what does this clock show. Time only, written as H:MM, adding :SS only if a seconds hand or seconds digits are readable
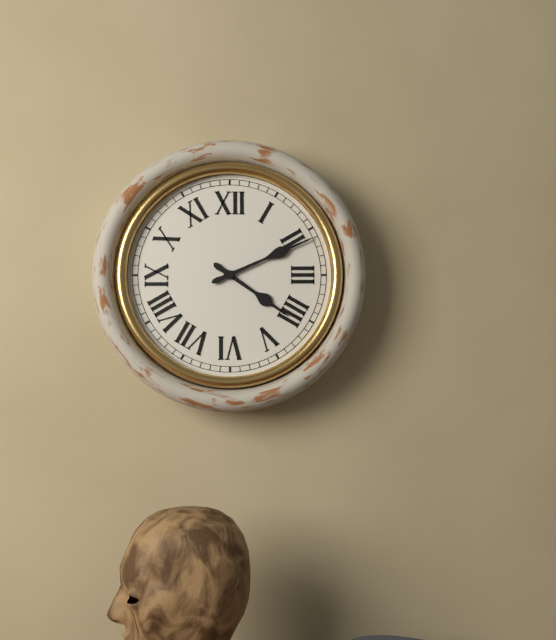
4:11
